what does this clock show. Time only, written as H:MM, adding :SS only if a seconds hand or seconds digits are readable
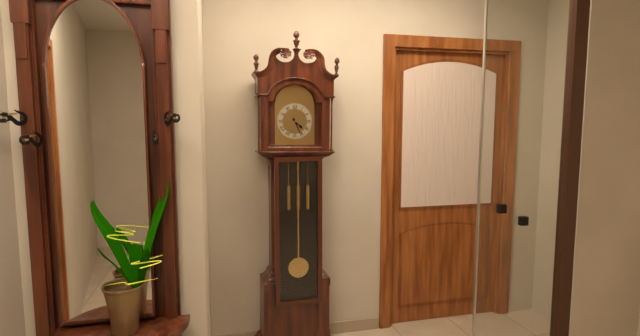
4:26
